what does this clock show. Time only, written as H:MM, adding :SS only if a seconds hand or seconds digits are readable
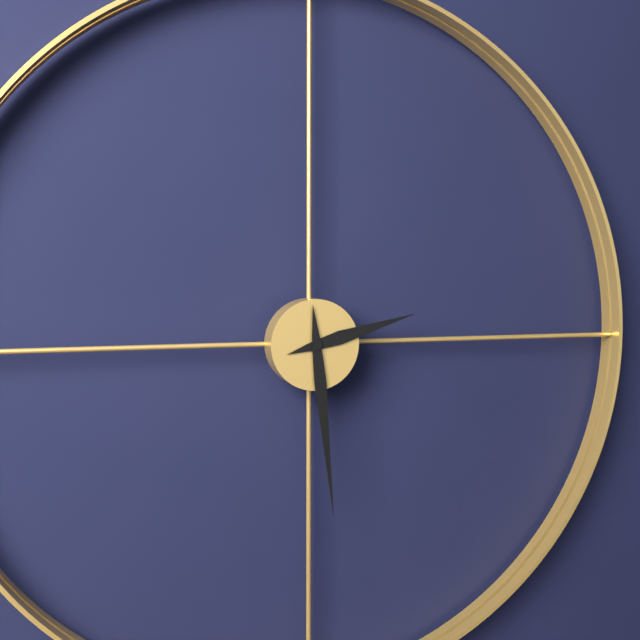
2:29
